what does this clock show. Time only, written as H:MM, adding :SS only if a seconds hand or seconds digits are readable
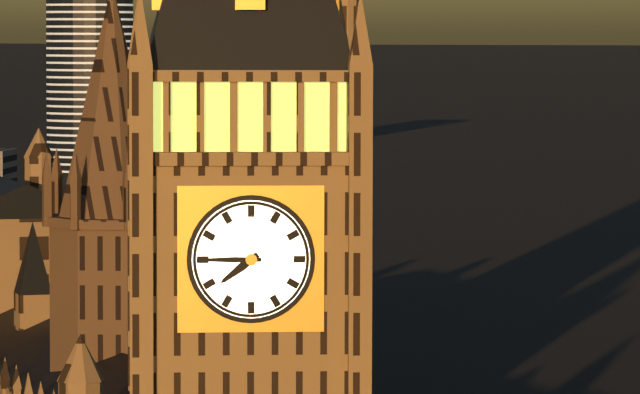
7:45
